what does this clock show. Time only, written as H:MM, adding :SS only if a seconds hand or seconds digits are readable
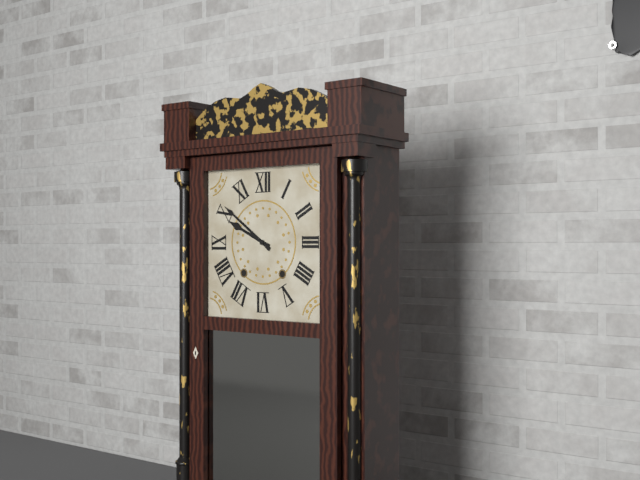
9:51
